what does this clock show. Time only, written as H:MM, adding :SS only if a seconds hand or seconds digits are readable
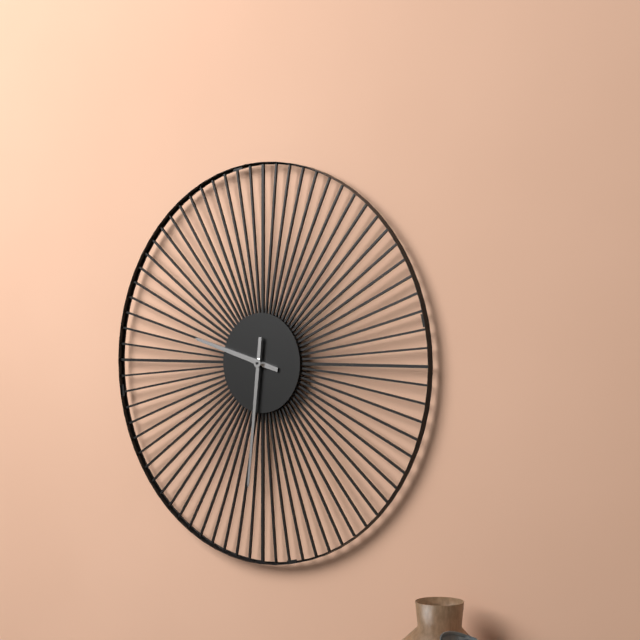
9:31
